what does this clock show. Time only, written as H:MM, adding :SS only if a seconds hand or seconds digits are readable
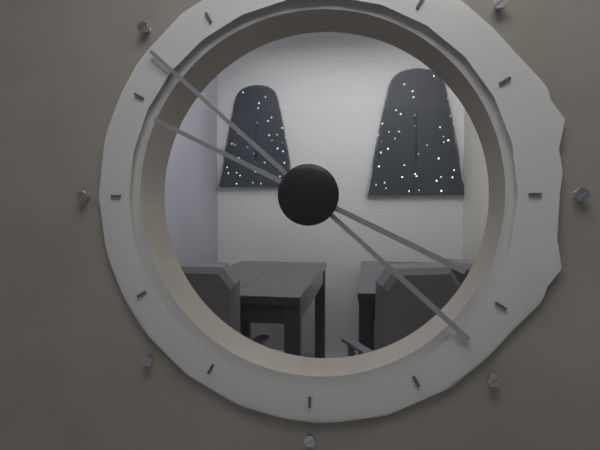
9:52
